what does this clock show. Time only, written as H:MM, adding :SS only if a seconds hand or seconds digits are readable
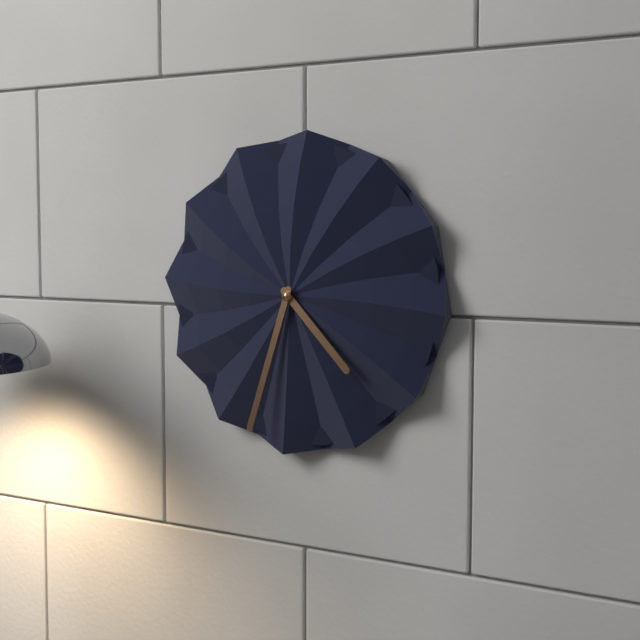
4:33
